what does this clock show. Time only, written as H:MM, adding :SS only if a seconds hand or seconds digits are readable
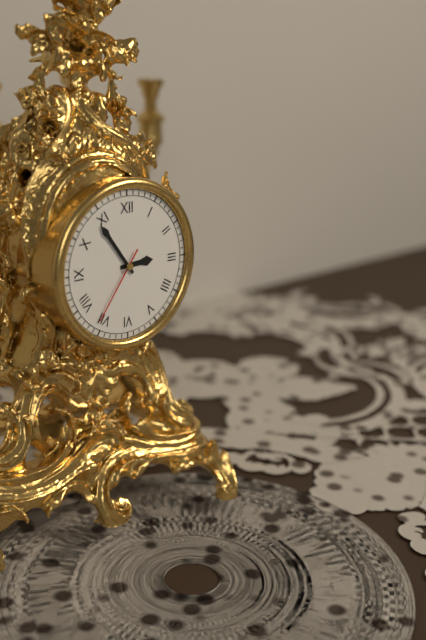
2:54:36
